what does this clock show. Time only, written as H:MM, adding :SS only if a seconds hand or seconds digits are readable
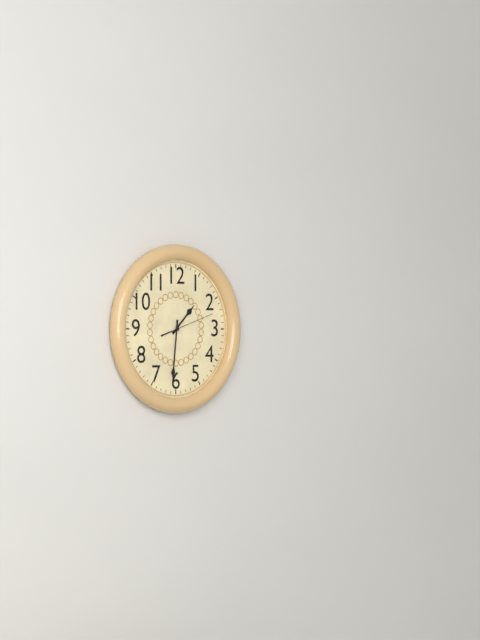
1:31:12
